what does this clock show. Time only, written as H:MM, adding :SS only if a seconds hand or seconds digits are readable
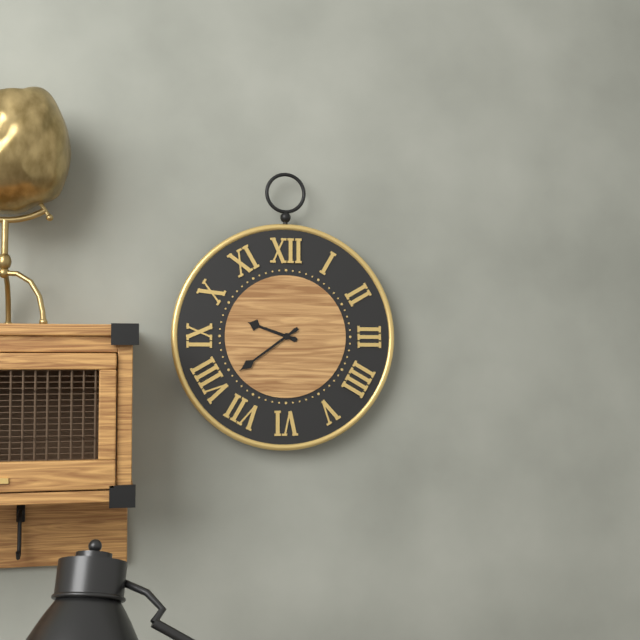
9:39
